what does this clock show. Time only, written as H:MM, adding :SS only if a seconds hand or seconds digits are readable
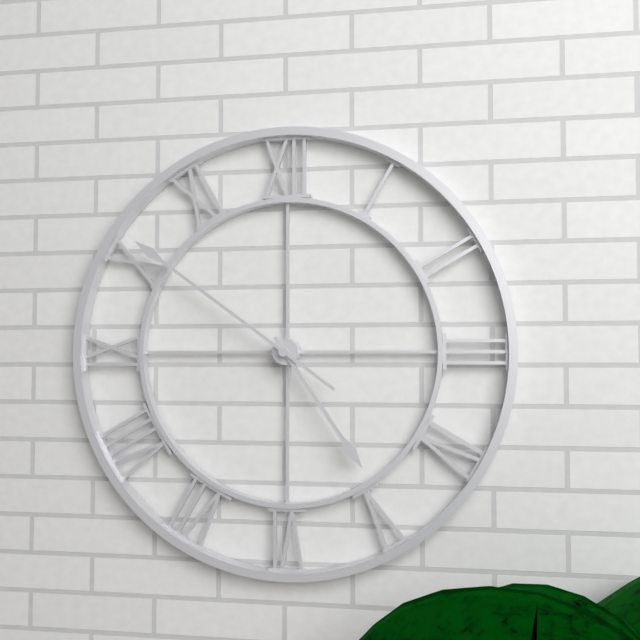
4:51
